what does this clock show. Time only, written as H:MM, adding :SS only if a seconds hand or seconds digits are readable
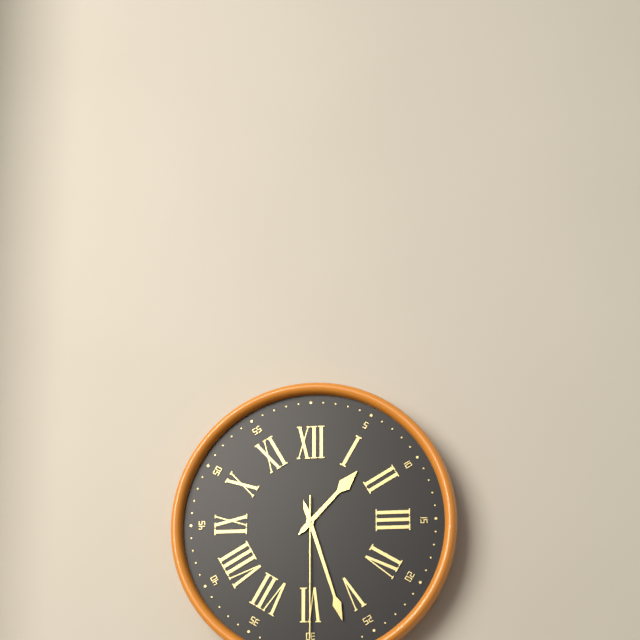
1:27:30
